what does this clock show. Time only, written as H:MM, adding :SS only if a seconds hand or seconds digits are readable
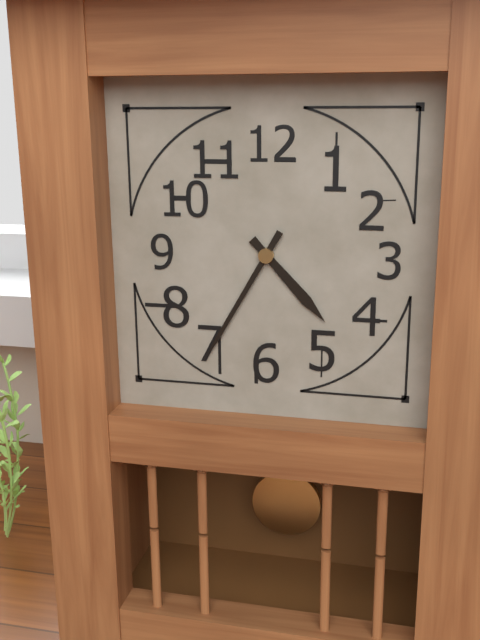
4:35
